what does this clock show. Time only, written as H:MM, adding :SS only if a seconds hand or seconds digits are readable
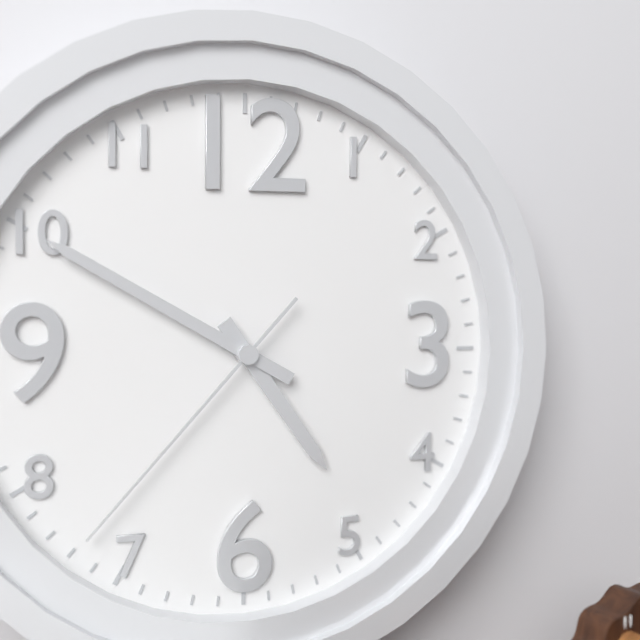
4:50:37
